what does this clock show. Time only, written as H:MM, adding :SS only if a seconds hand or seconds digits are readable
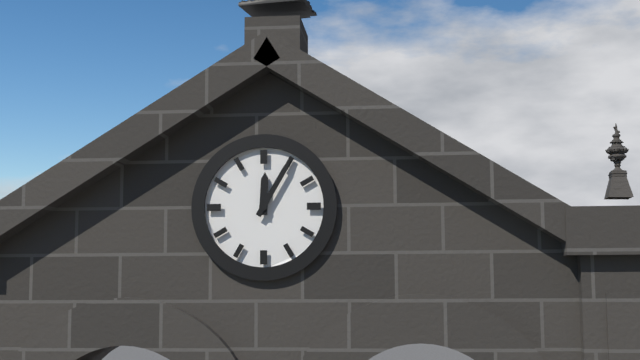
12:05
